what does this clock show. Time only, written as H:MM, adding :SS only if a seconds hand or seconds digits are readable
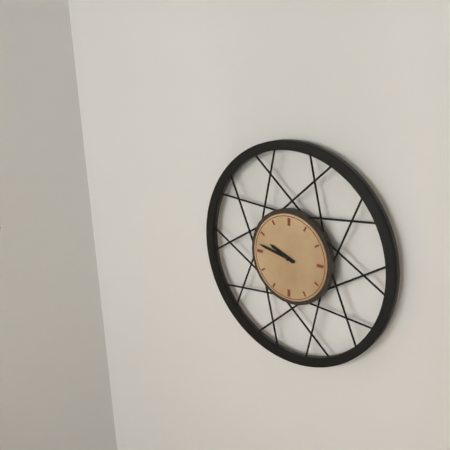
9:47
